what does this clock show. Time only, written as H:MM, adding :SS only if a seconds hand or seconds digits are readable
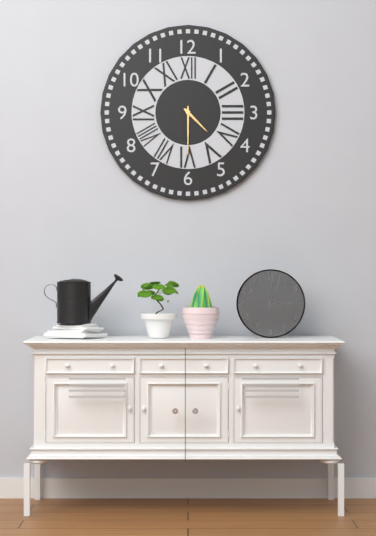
4:30
